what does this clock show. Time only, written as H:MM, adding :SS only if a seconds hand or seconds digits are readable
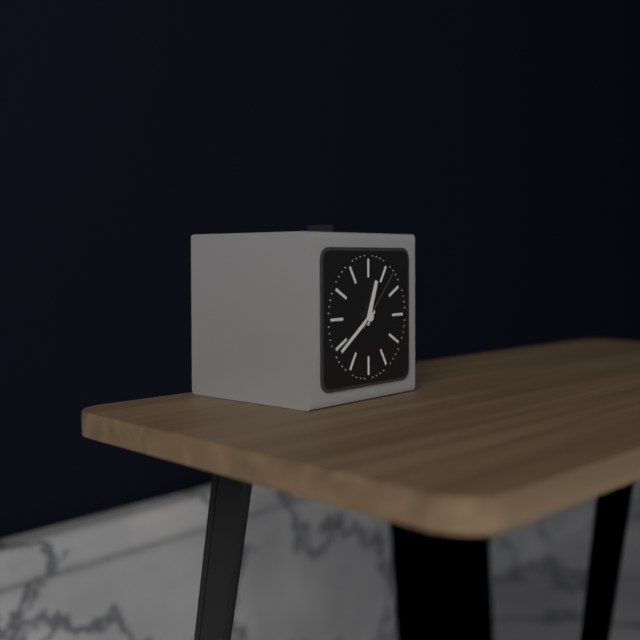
12:39:07
